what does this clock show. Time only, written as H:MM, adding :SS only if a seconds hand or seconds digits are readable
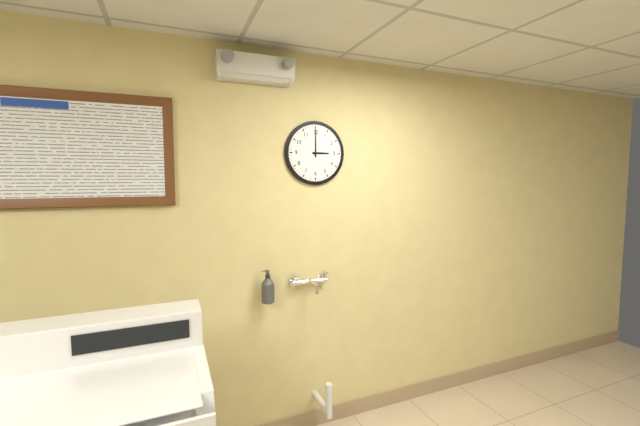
3:00
